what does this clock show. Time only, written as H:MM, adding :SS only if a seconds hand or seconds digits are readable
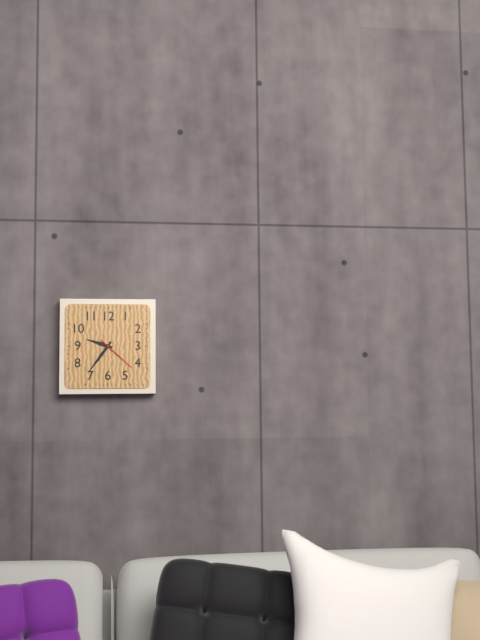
9:36
